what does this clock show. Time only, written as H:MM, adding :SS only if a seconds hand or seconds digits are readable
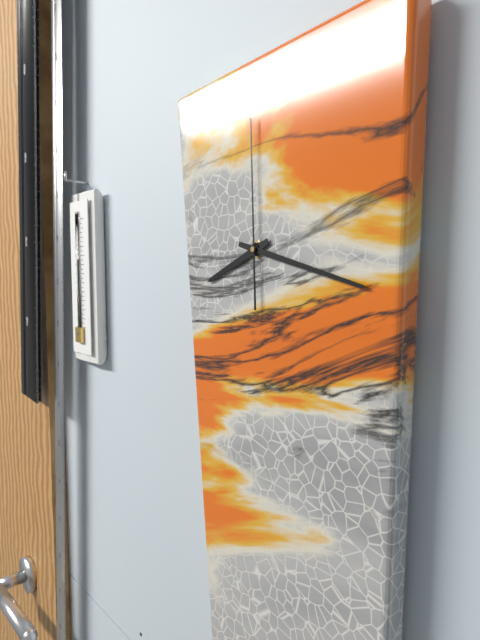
8:18:00
